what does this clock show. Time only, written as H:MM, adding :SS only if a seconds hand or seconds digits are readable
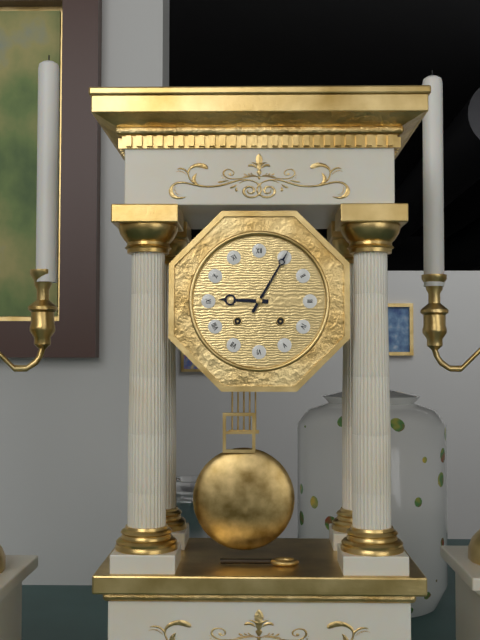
9:05
